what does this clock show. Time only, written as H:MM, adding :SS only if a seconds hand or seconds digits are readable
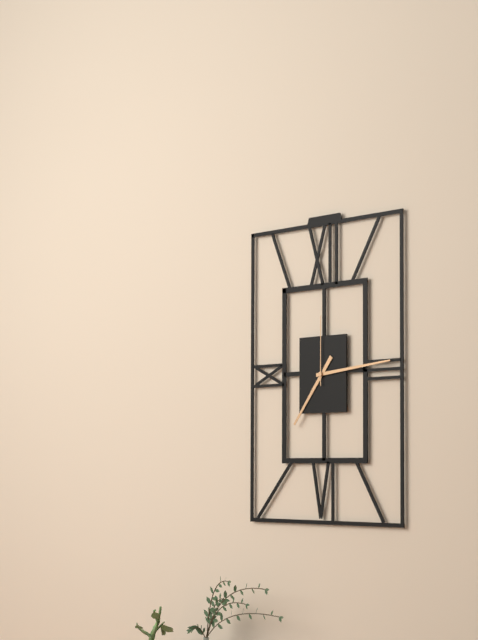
7:14:00
